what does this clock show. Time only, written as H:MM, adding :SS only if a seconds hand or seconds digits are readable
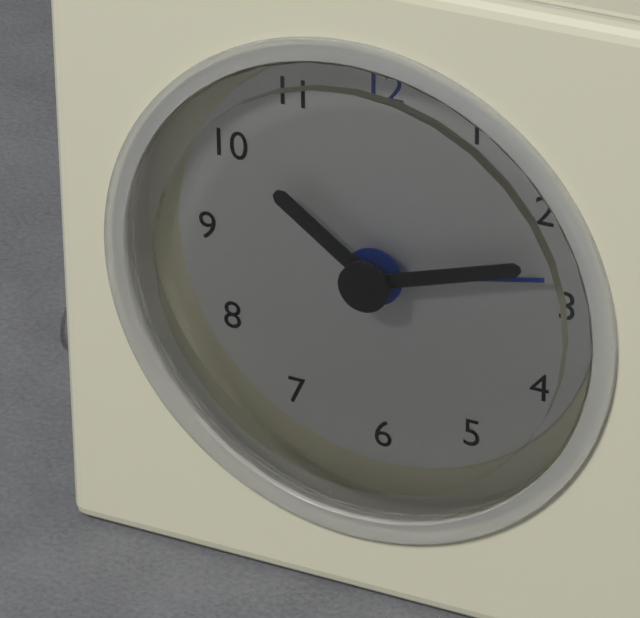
10:12:13
